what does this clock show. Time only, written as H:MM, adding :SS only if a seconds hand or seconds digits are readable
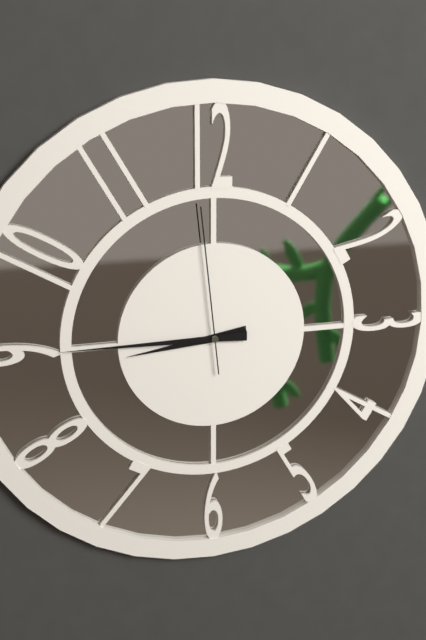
8:45:59
